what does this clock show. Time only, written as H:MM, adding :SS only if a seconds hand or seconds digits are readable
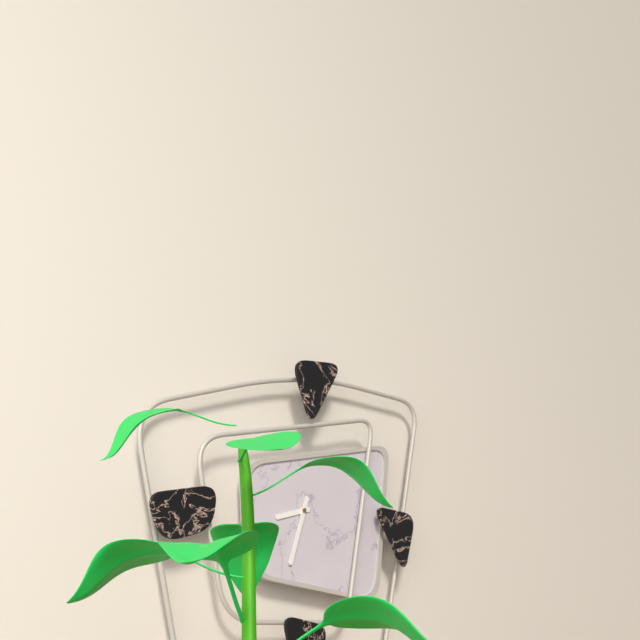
8:33
